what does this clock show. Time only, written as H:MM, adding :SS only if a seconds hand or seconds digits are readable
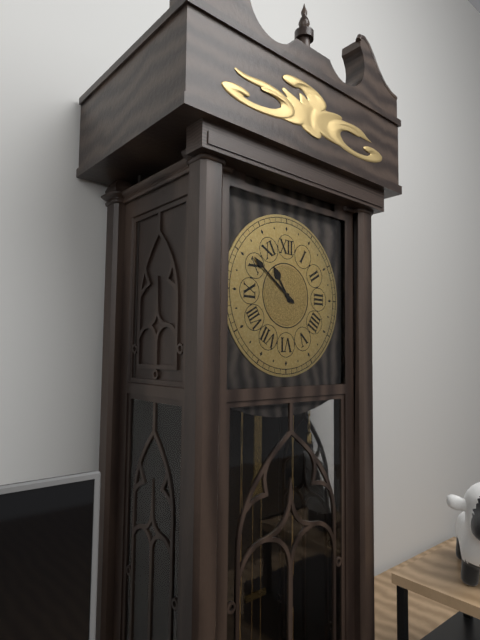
10:51
